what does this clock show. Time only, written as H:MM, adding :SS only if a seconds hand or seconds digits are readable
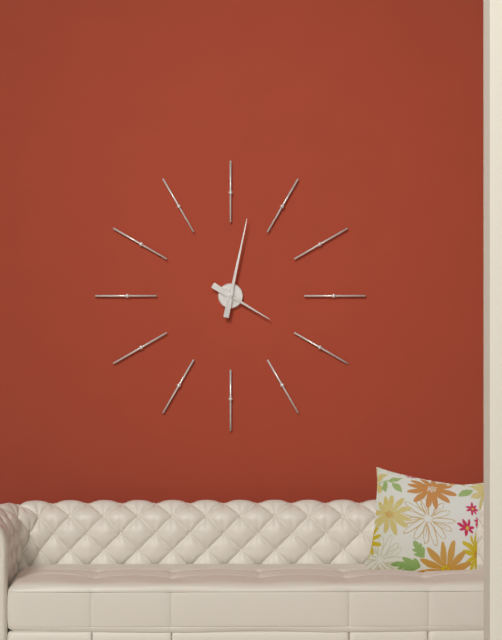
4:02
